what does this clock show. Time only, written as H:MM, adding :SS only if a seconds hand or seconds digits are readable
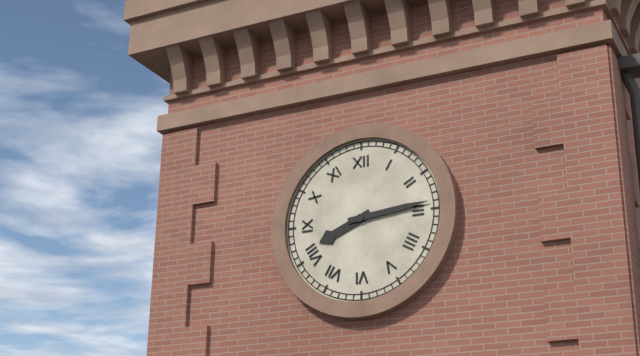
8:14
